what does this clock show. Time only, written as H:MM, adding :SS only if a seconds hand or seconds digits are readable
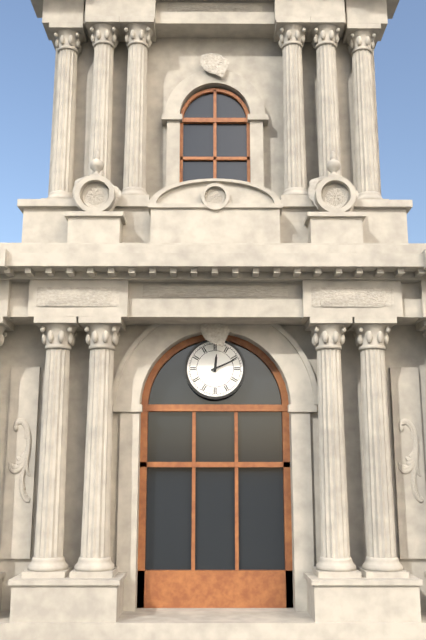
12:11
